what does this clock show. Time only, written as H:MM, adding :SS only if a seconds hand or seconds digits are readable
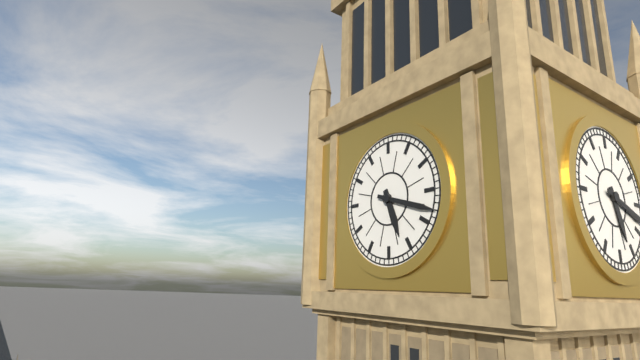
5:18
